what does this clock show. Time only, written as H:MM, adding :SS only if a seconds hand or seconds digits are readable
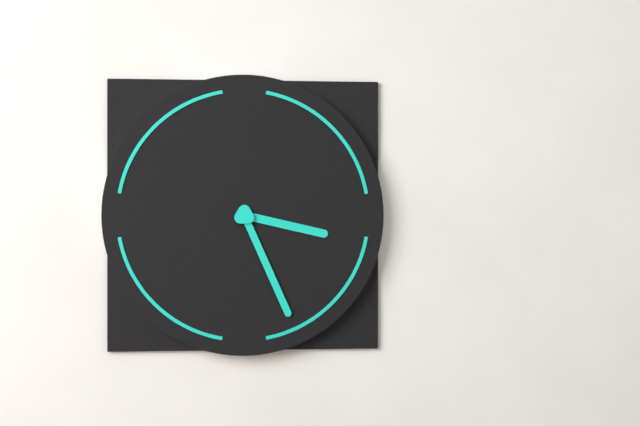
3:26
